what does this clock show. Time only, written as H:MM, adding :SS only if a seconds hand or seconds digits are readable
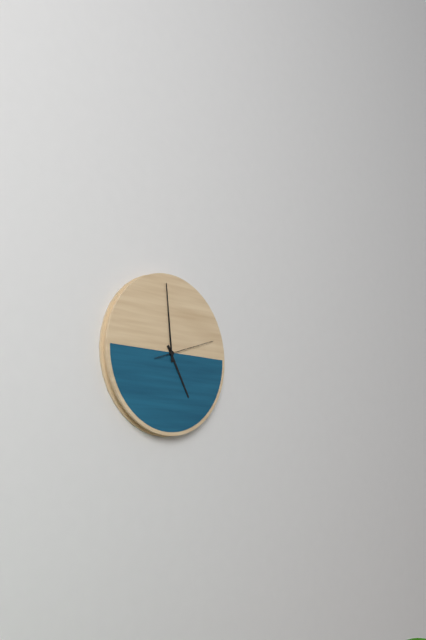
4:59:12
